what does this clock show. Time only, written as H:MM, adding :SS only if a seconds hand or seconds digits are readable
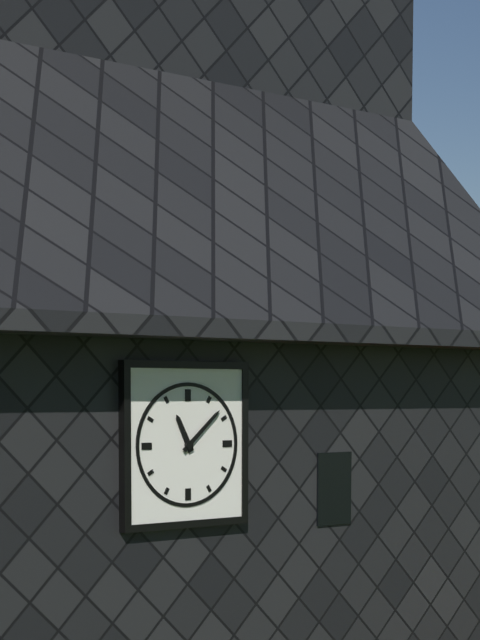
11:08
